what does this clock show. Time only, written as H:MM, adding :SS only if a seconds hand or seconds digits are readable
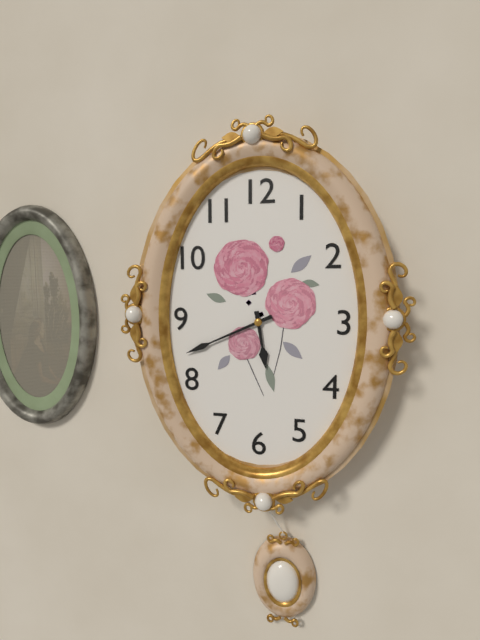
5:41
